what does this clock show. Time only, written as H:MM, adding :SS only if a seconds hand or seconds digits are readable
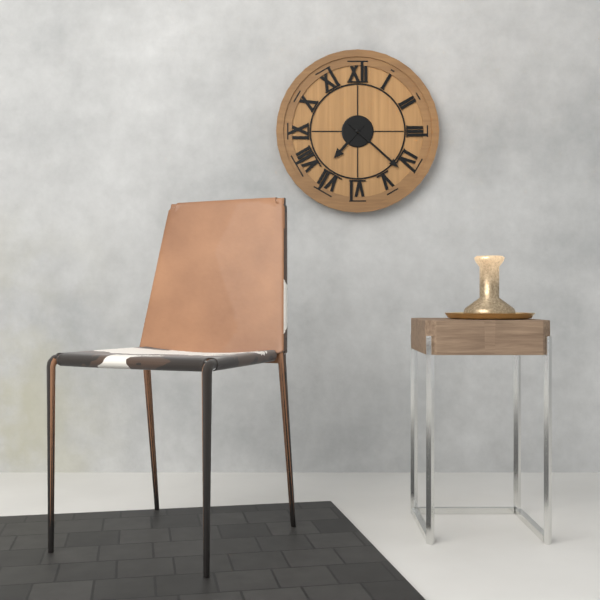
7:22
